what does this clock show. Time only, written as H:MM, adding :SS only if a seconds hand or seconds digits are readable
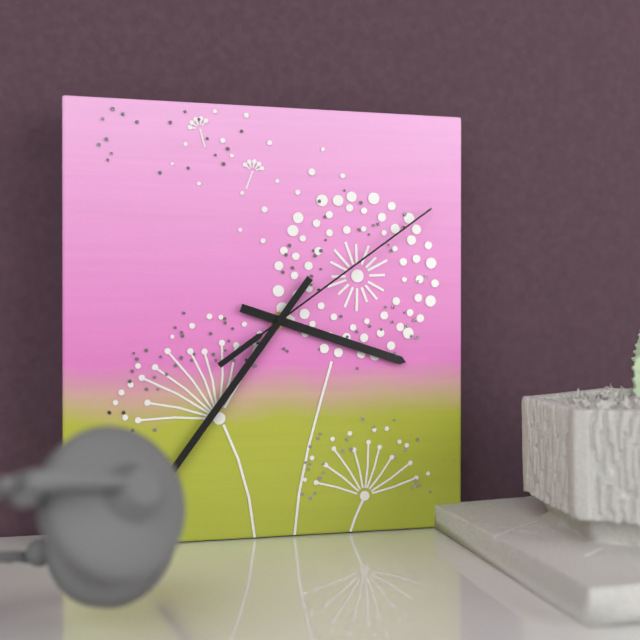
3:36:09
